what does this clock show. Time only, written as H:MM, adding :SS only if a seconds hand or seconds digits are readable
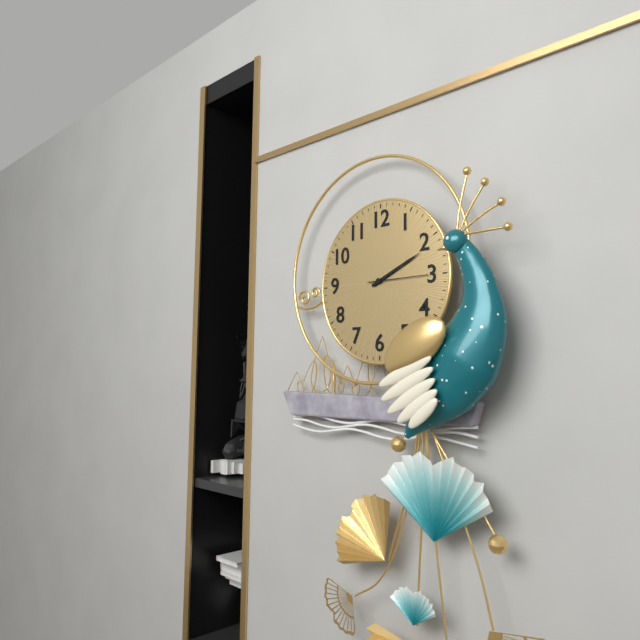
2:11:15
